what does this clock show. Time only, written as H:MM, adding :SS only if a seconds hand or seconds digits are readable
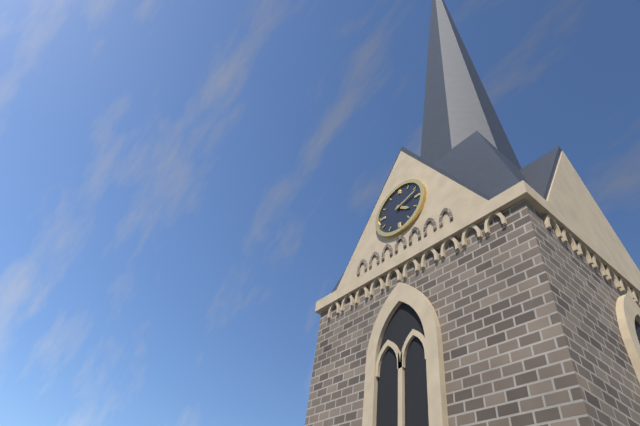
4:12
